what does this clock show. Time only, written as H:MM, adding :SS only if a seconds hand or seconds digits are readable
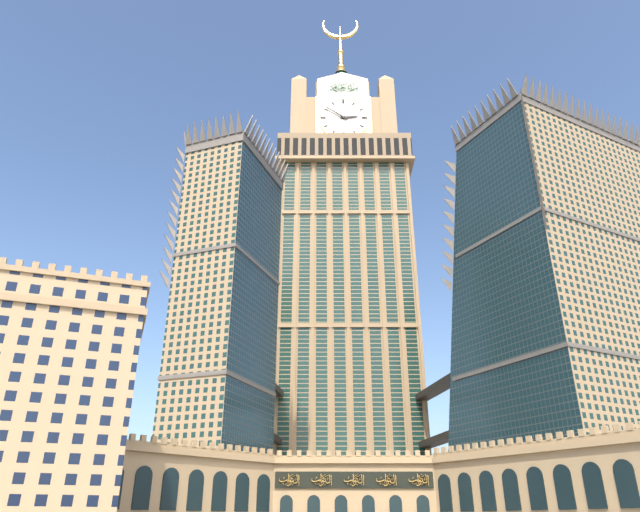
2:51
